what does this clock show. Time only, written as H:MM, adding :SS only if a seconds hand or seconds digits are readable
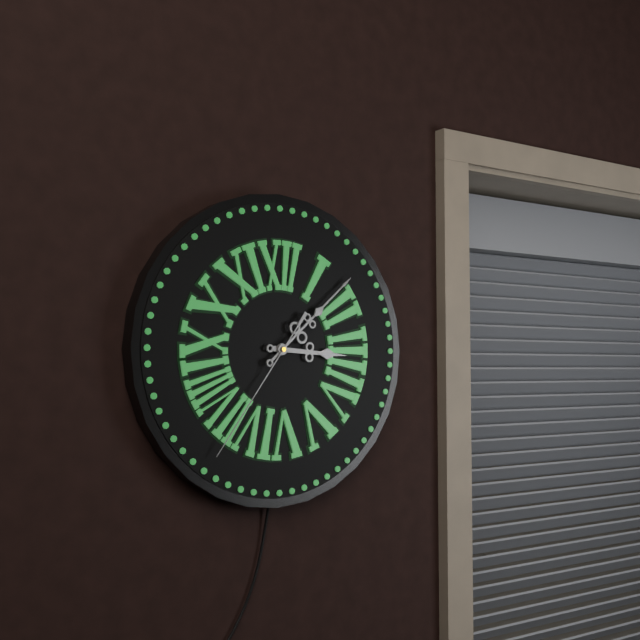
3:08:36
